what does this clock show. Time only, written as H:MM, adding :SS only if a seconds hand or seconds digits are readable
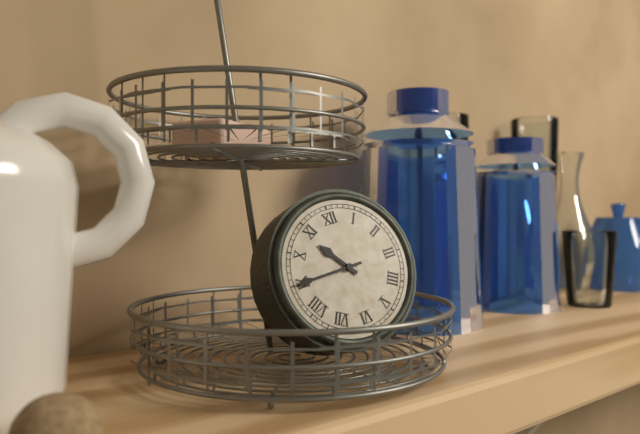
10:45
